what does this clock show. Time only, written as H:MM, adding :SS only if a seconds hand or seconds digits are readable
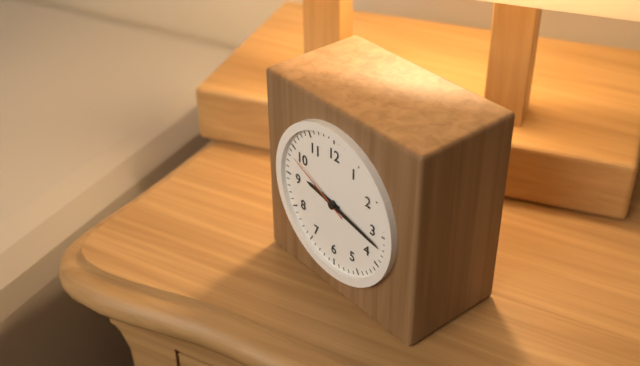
9:17:49
